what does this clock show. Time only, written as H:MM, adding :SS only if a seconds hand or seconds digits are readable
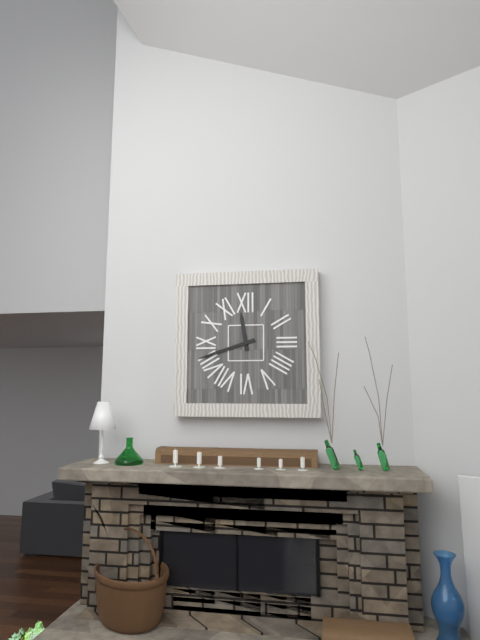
11:42
